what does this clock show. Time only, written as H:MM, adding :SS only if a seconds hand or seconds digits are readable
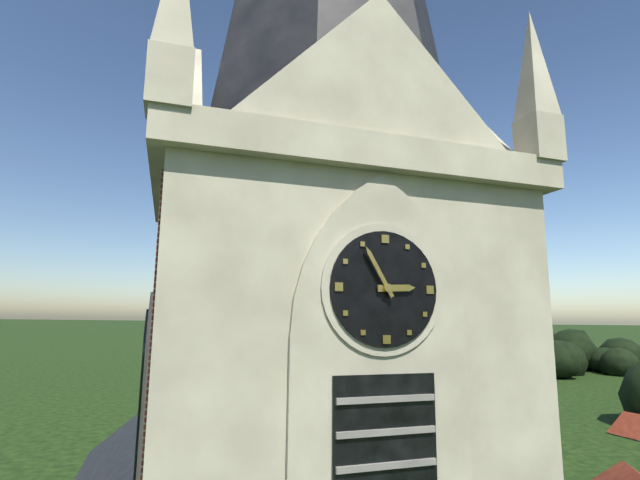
2:55
